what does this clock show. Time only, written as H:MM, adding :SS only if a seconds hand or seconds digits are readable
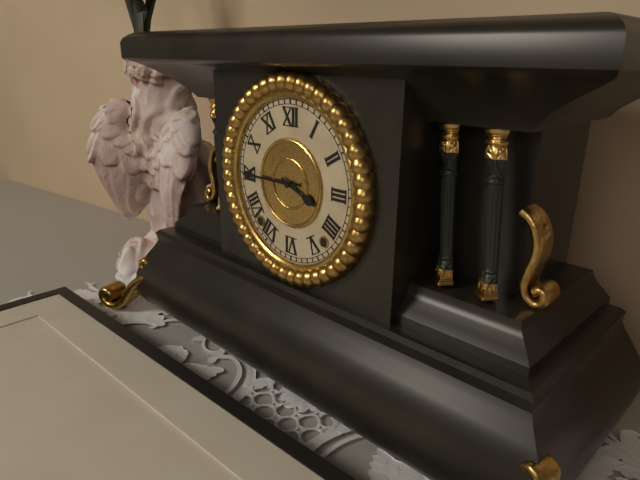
3:45
